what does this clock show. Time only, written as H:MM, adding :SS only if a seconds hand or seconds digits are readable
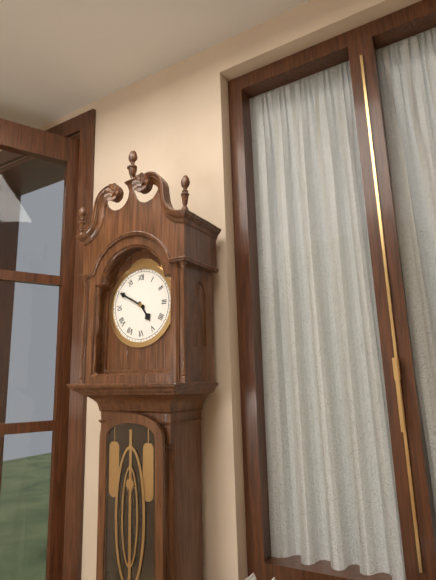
4:50
